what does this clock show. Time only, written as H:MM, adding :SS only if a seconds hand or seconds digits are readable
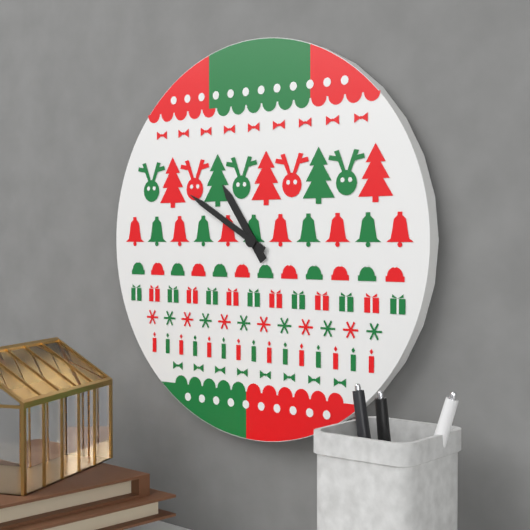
10:50
